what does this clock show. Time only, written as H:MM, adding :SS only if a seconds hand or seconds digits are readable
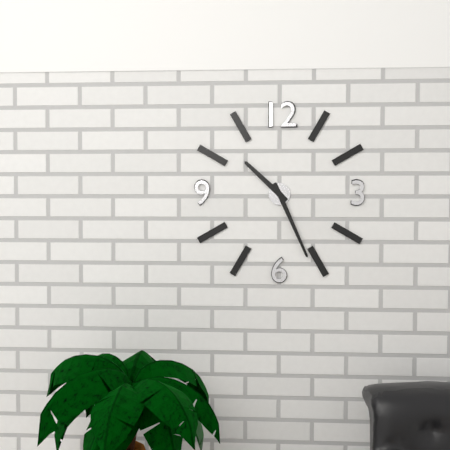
10:26
